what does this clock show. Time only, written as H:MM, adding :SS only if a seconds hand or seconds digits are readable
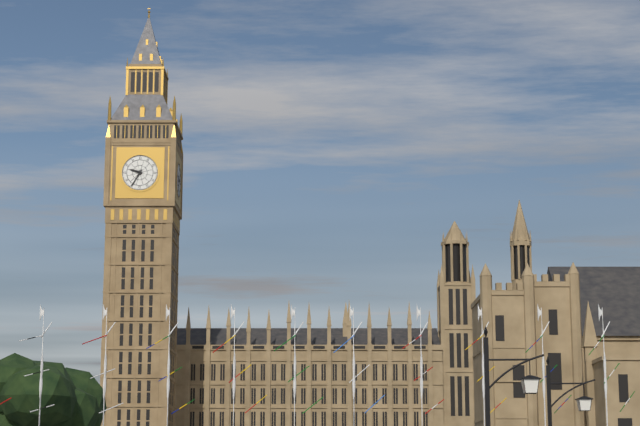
9:35
